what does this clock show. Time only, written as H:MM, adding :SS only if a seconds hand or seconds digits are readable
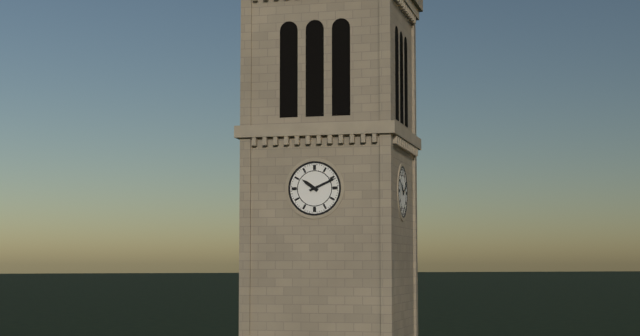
10:11
